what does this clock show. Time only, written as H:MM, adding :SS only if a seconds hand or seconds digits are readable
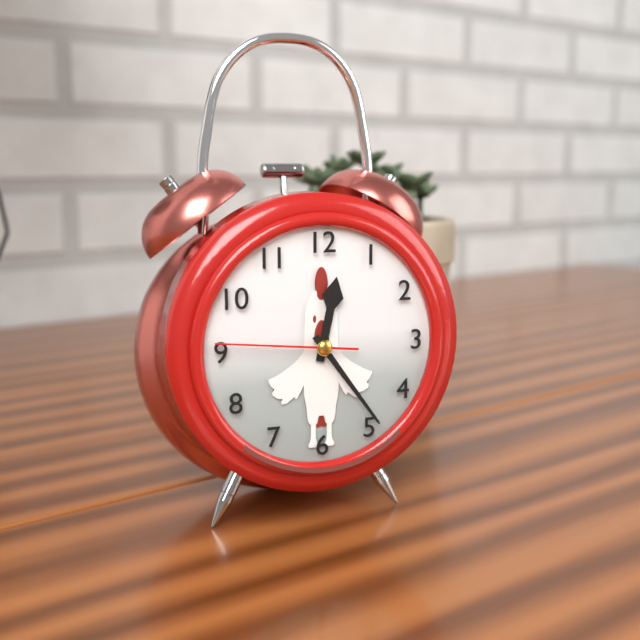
12:24:46
